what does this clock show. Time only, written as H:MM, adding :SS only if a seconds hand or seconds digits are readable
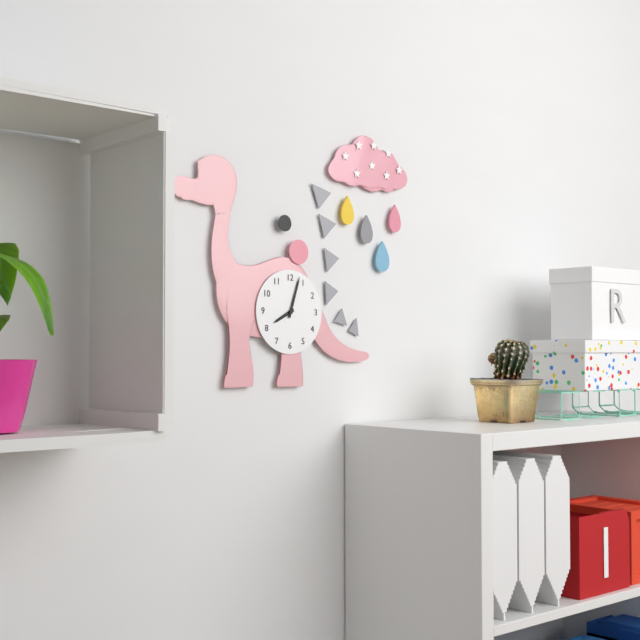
8:03
